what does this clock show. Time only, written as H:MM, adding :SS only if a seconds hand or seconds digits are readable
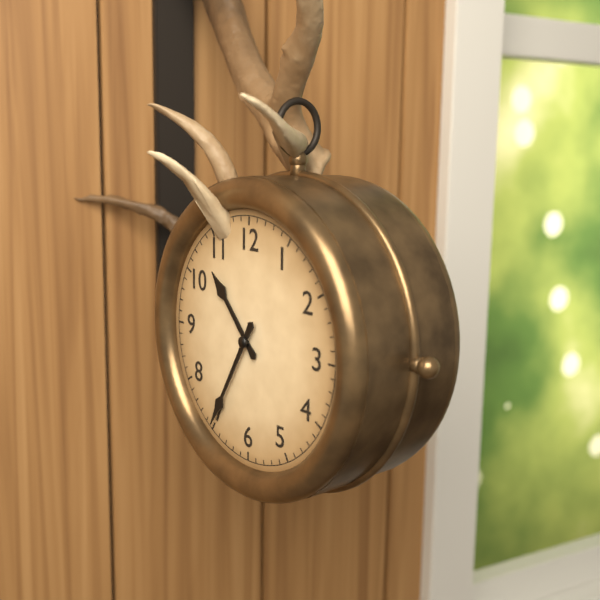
10:35
